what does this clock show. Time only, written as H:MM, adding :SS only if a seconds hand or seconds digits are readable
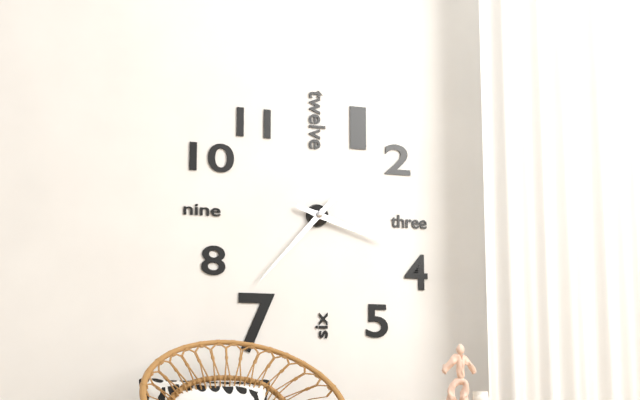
3:37
